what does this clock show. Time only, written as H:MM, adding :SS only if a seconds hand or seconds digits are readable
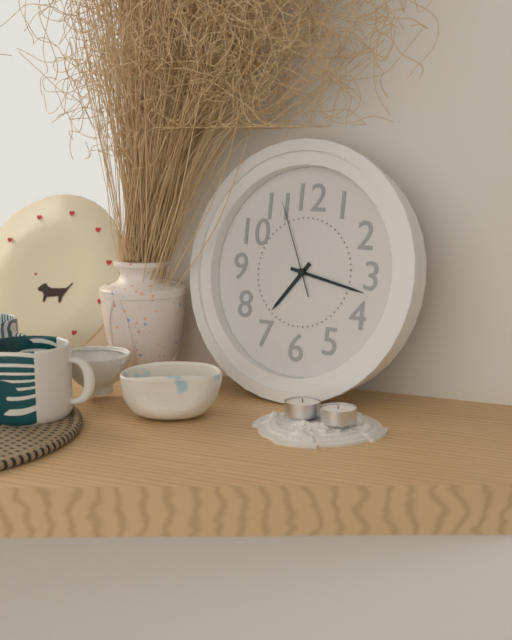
7:17:56
